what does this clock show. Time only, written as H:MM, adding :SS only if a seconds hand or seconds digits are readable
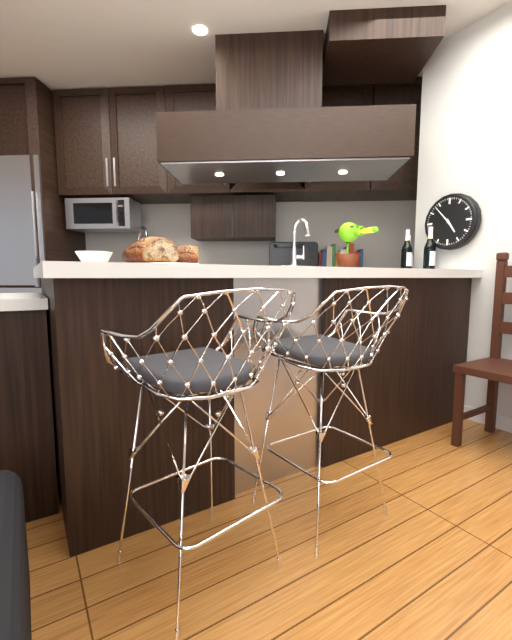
4:53
